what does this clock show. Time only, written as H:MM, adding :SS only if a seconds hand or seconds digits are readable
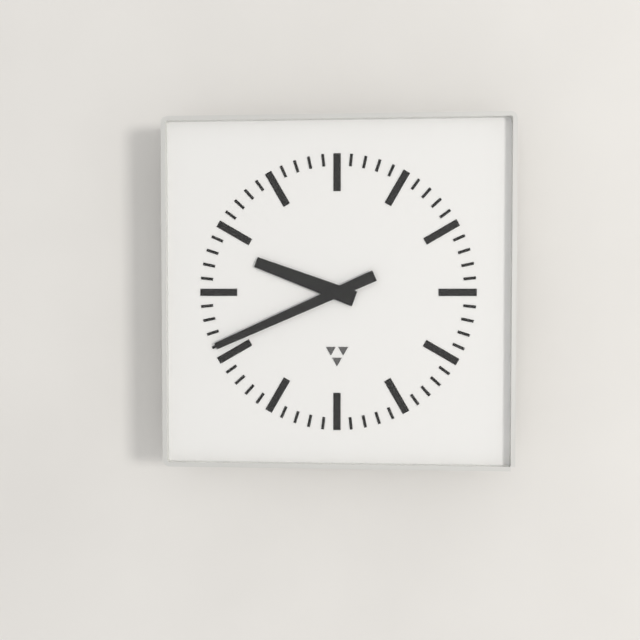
9:41
